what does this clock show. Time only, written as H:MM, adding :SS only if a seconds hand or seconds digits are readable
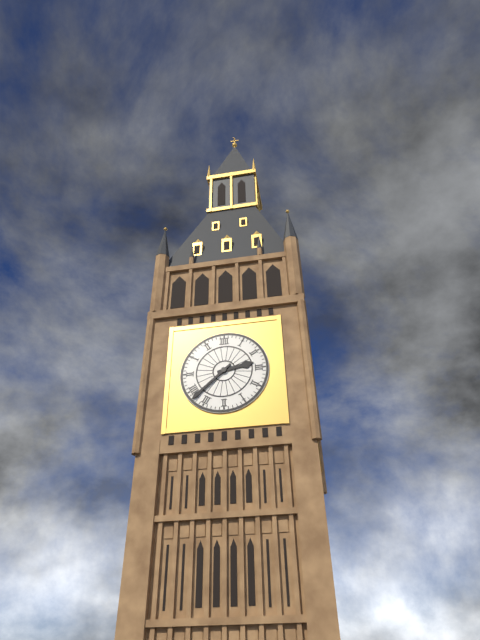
2:38
